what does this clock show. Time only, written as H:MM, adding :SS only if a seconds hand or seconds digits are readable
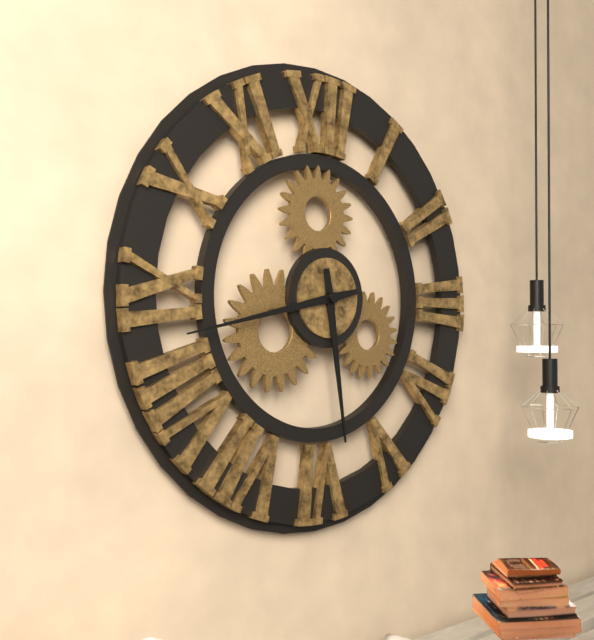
5:43
